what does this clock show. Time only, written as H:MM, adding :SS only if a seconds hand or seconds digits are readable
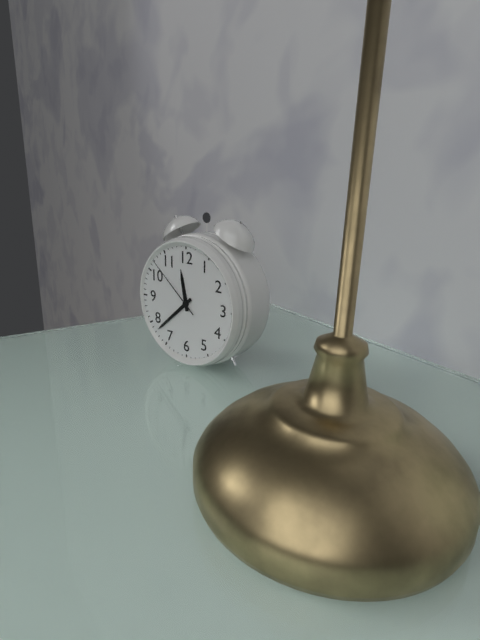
11:38:52
